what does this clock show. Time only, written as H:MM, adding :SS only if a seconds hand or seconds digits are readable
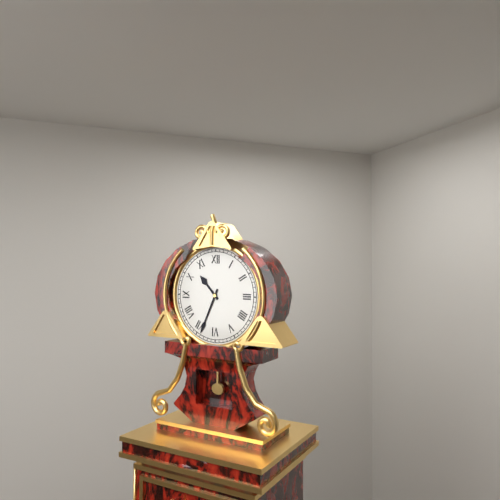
10:34
